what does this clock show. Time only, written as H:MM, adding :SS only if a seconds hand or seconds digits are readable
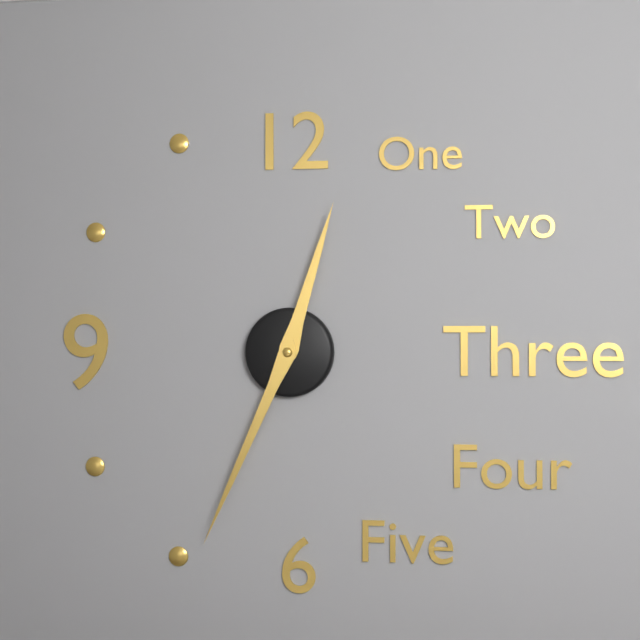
12:34
